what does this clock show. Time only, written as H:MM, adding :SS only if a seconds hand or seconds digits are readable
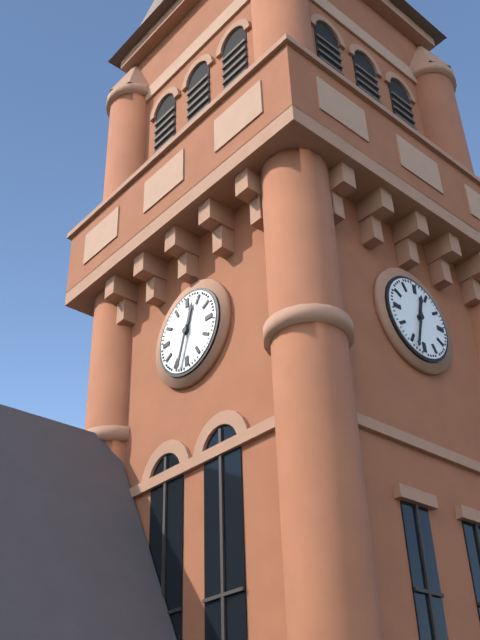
12:33
